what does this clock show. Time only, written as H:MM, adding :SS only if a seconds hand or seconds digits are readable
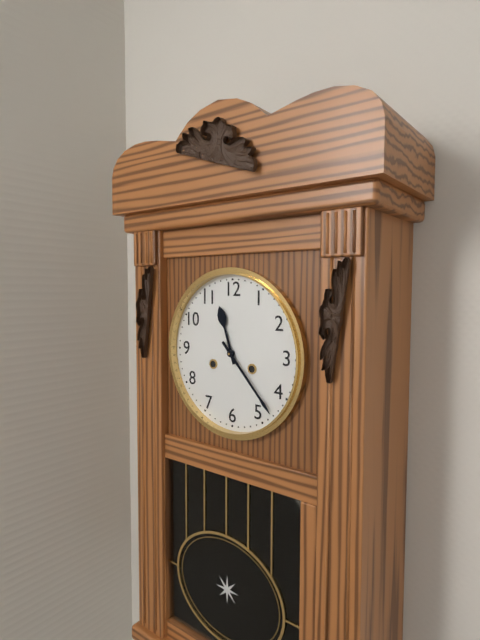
11:23
